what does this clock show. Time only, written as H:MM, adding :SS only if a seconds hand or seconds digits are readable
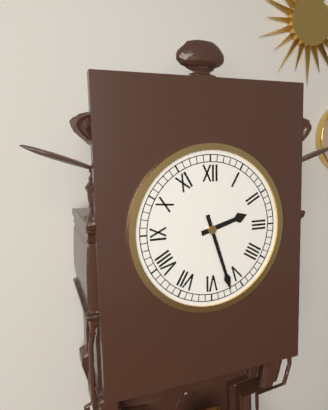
2:27
